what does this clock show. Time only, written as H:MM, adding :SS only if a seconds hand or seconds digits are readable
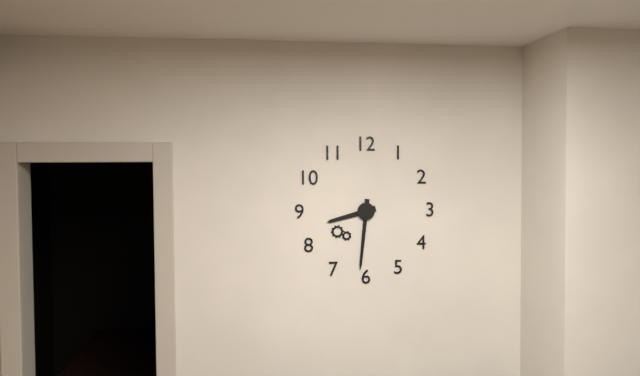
8:31
